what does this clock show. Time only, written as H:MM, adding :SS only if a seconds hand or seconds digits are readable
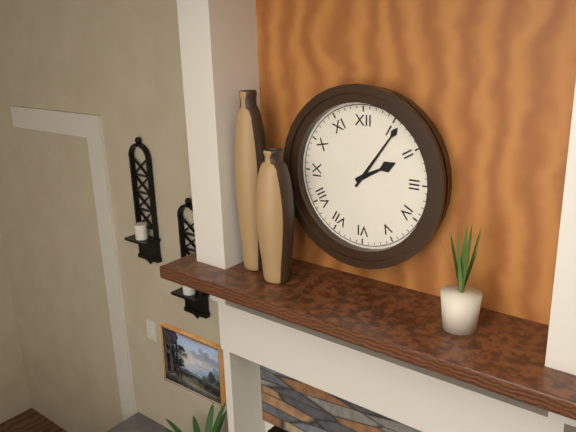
2:06
